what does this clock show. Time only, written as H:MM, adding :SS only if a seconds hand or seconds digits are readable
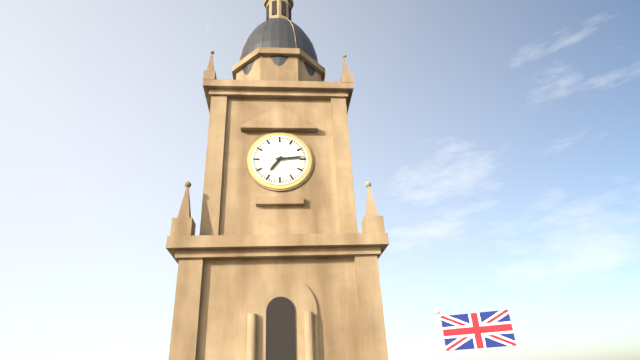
7:14
